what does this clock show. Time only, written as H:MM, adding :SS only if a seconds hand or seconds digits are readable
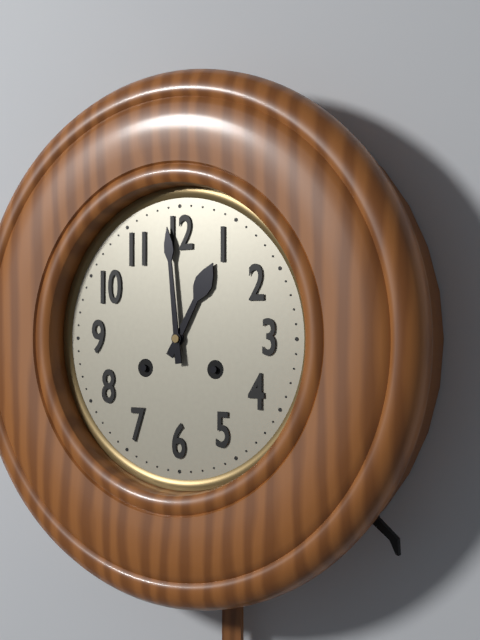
12:59
